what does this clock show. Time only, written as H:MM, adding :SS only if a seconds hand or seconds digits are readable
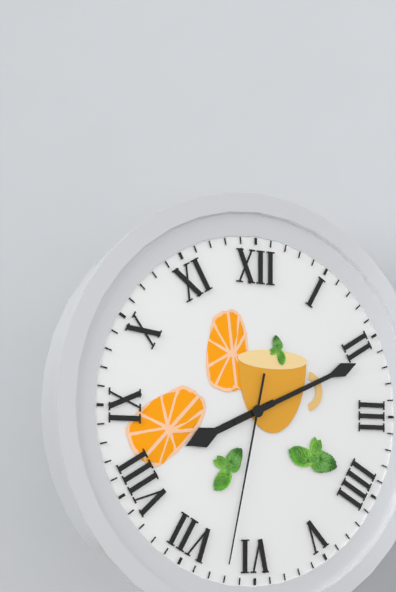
8:11:32
